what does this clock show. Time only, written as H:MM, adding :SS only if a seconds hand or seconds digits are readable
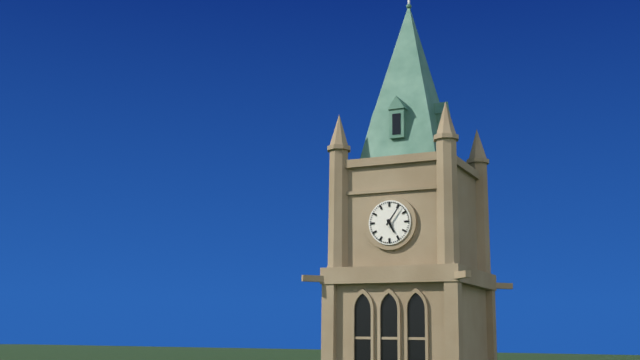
5:06
